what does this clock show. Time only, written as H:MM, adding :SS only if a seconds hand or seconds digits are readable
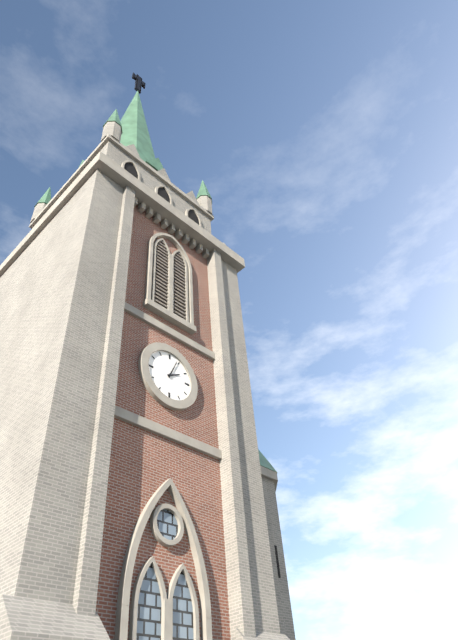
2:04
